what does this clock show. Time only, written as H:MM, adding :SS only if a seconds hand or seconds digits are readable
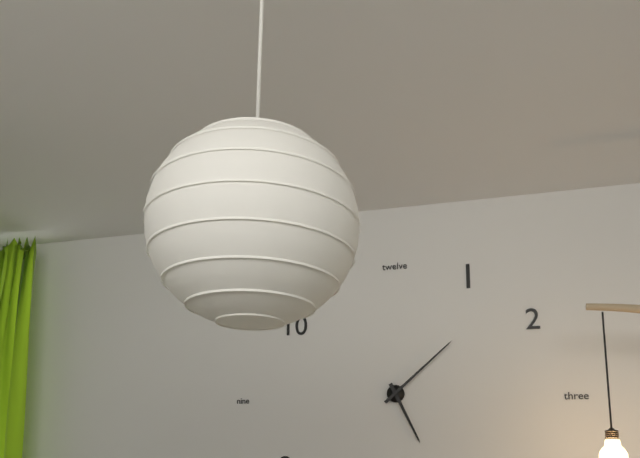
5:08
